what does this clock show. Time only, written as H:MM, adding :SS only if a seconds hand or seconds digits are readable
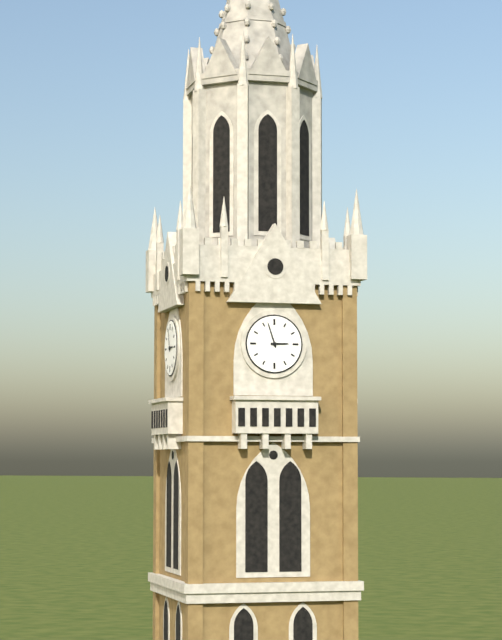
2:57
